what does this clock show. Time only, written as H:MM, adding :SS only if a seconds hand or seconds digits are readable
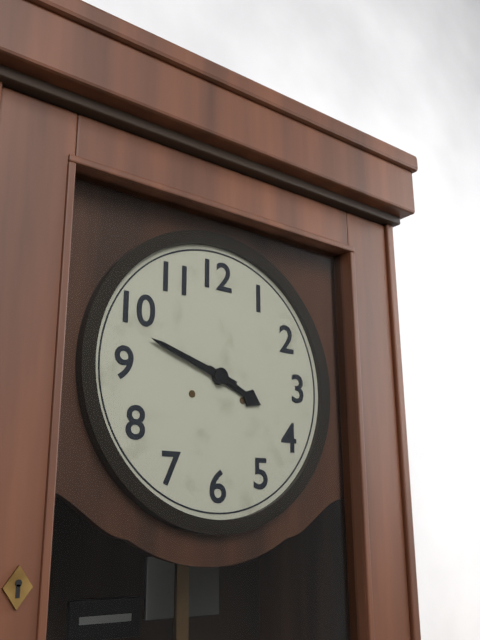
3:48
